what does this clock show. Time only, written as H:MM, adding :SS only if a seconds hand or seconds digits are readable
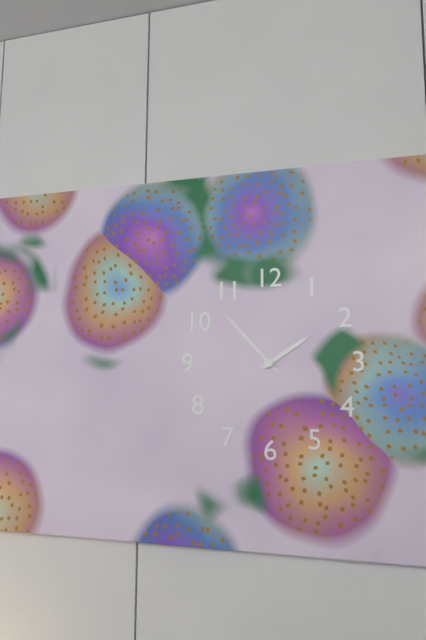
1:53
